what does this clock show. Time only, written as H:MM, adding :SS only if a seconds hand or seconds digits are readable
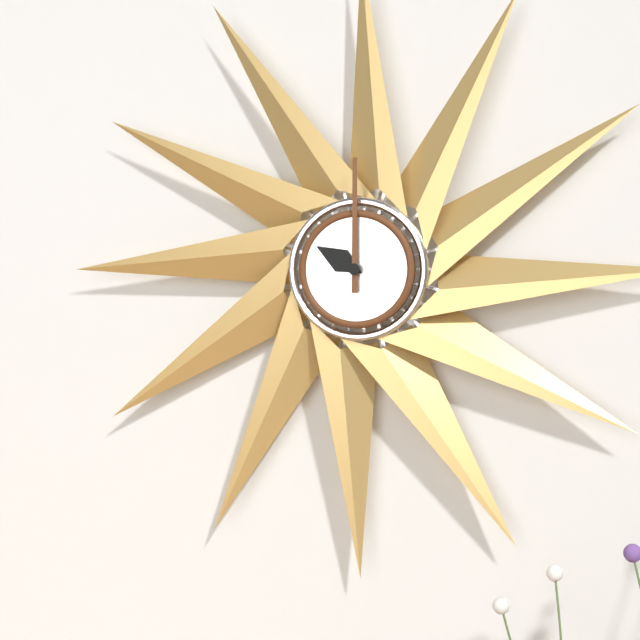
10:00
